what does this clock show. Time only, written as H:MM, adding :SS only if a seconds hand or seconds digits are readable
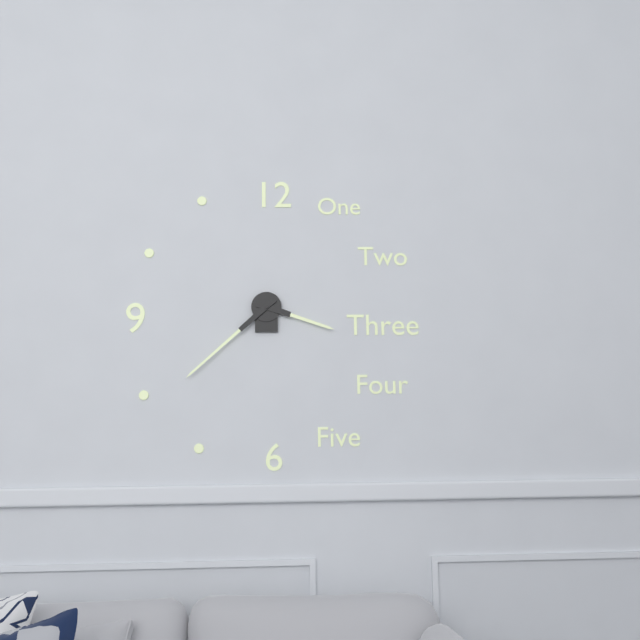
3:38
